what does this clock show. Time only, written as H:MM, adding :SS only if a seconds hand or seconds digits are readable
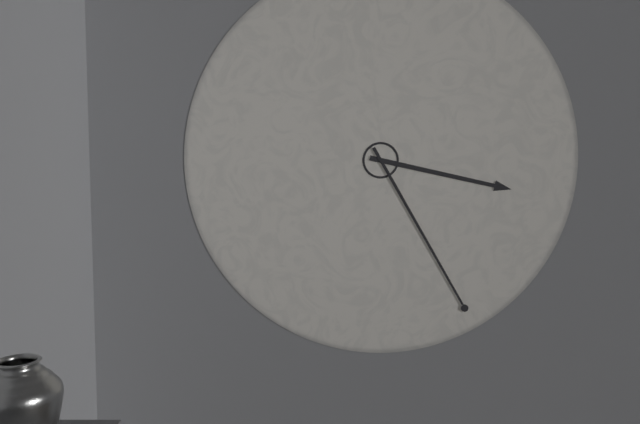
3:25
